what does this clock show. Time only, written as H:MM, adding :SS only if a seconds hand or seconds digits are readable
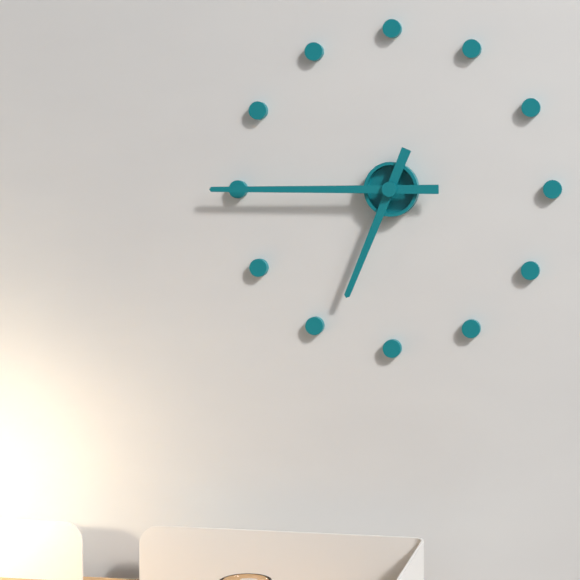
6:45
